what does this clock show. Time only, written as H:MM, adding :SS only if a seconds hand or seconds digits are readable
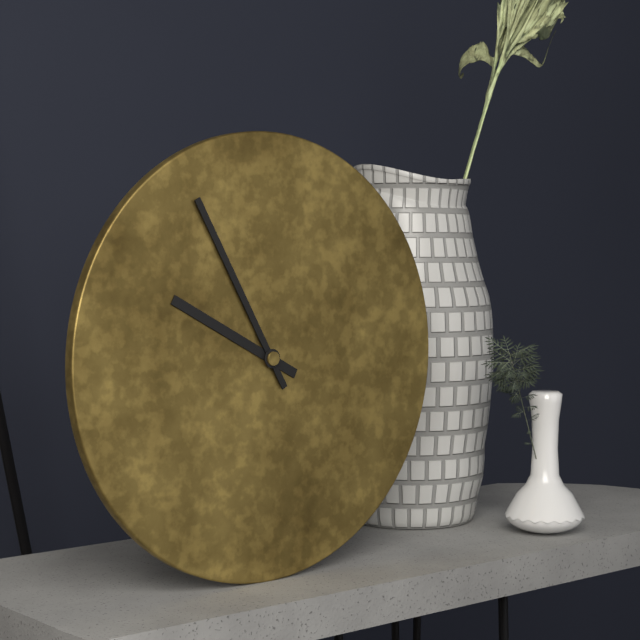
9:55
